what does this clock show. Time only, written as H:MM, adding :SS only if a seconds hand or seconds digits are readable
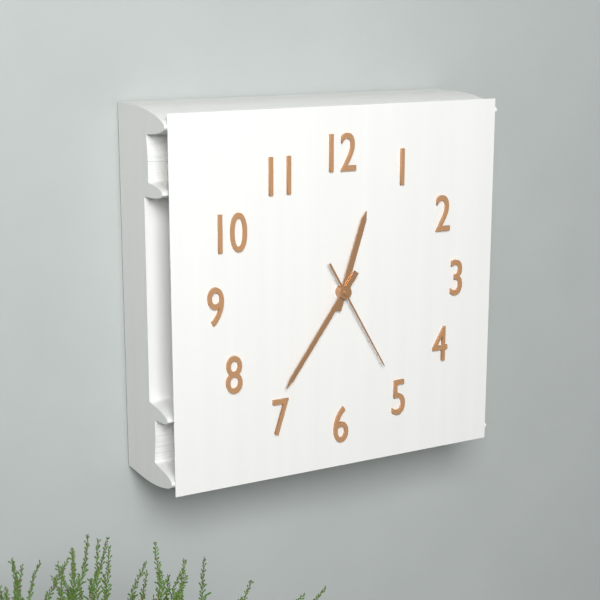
12:36:25
